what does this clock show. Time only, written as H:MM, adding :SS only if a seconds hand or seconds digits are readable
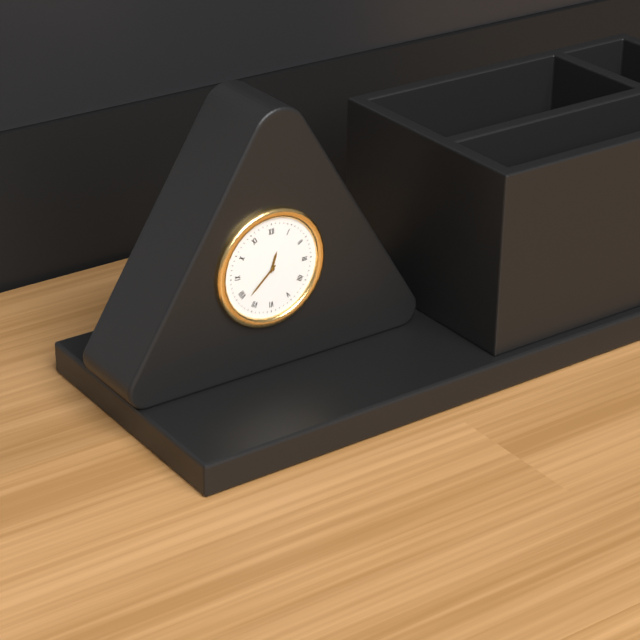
12:38
